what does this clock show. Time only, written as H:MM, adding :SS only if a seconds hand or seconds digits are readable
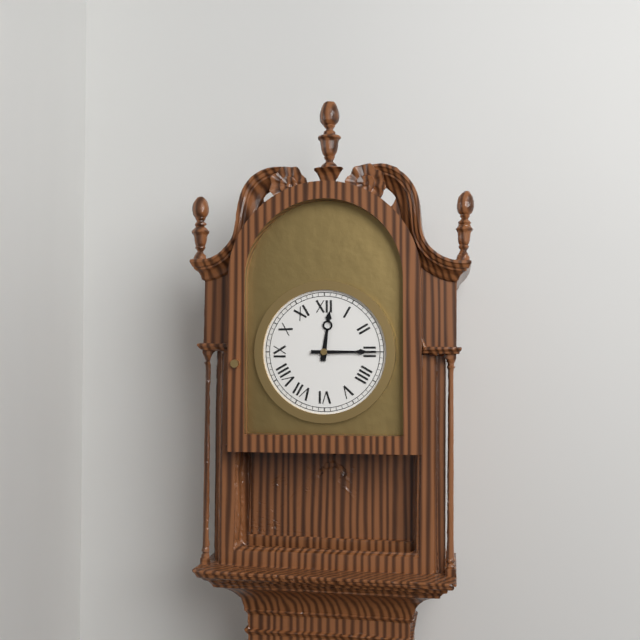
12:15
